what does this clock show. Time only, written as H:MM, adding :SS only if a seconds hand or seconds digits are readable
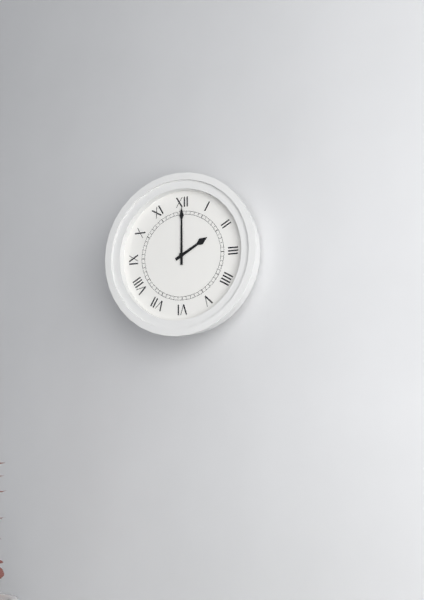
2:00
